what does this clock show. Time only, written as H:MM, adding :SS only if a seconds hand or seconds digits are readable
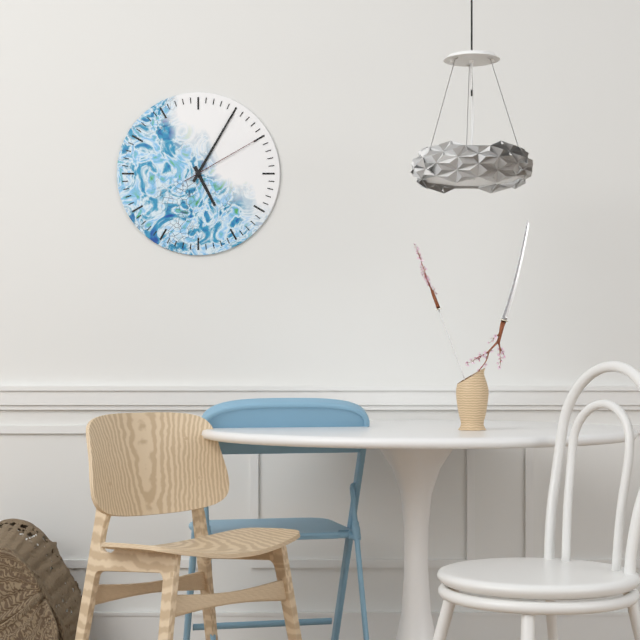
5:05:10
